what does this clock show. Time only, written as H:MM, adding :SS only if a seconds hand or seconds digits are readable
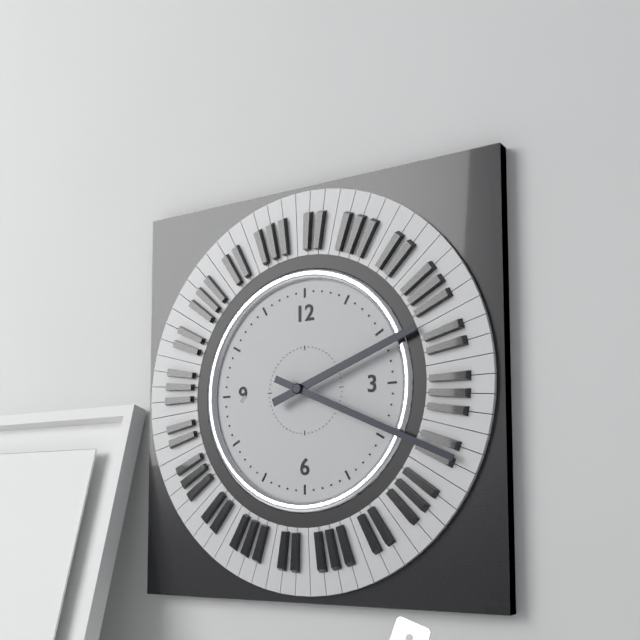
2:19
